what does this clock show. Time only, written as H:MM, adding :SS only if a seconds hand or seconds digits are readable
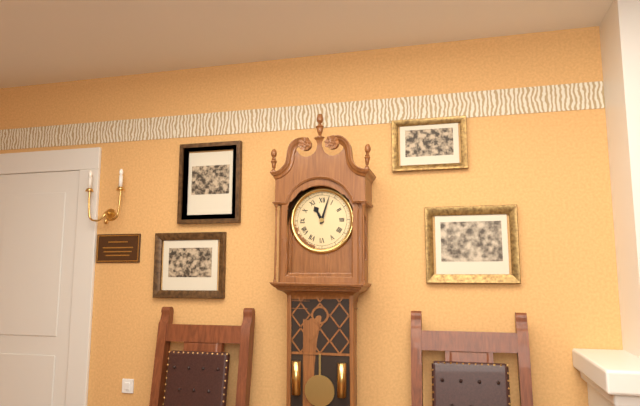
11:03
